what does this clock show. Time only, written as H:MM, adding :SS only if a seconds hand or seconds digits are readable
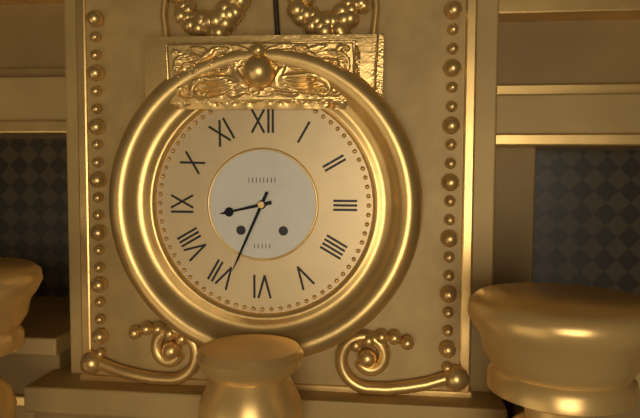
8:34
